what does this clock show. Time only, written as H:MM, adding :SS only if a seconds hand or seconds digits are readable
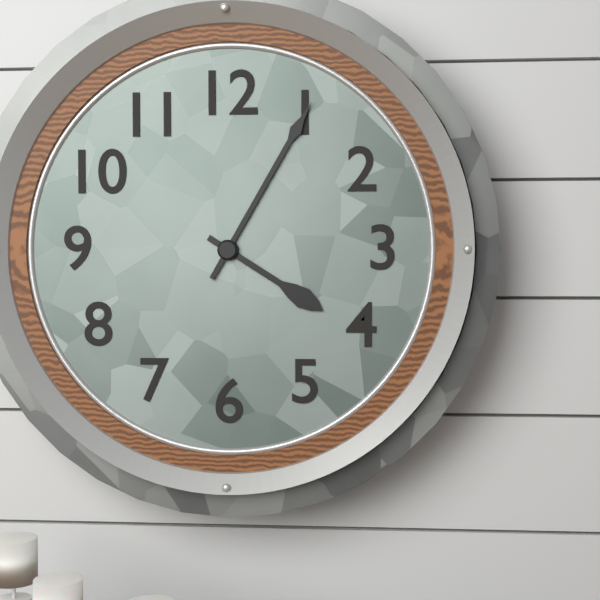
4:05
